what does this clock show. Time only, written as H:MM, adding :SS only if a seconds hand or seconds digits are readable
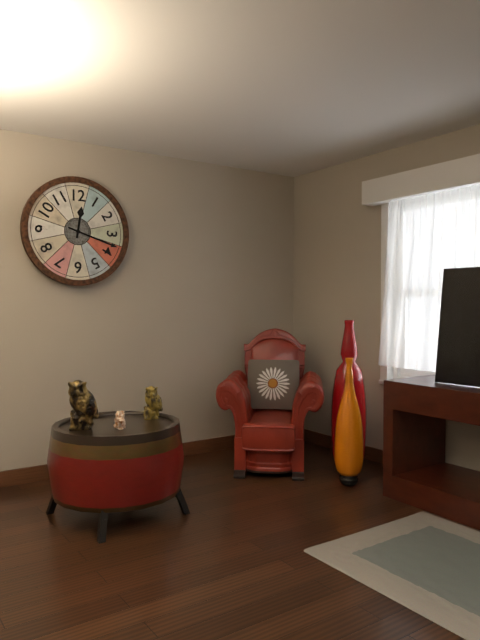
12:18
